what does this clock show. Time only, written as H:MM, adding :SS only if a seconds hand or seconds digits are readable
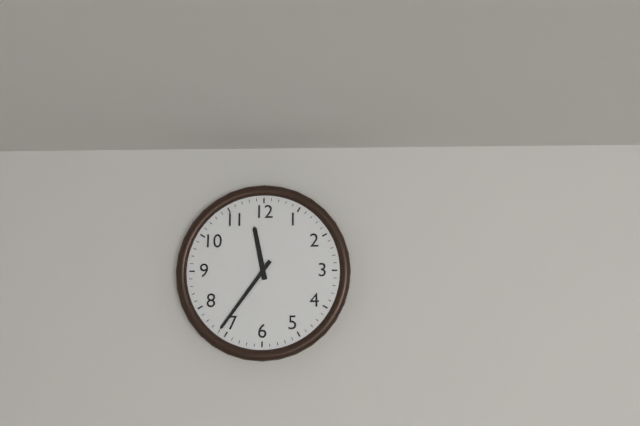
11:36
